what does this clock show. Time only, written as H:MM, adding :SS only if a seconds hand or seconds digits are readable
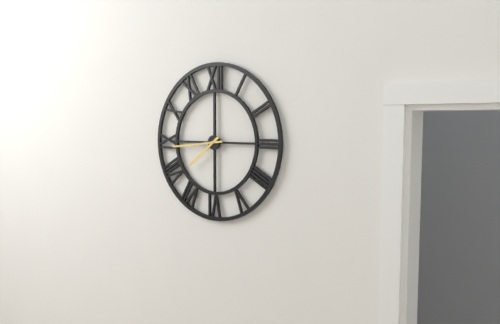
7:44
